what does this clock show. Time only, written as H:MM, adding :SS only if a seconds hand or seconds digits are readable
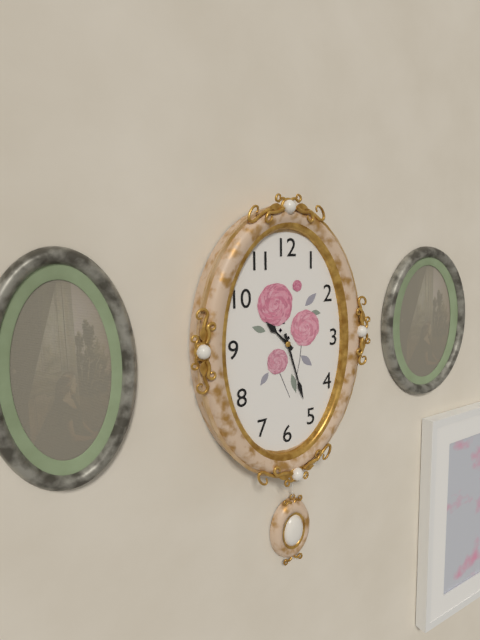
10:27
